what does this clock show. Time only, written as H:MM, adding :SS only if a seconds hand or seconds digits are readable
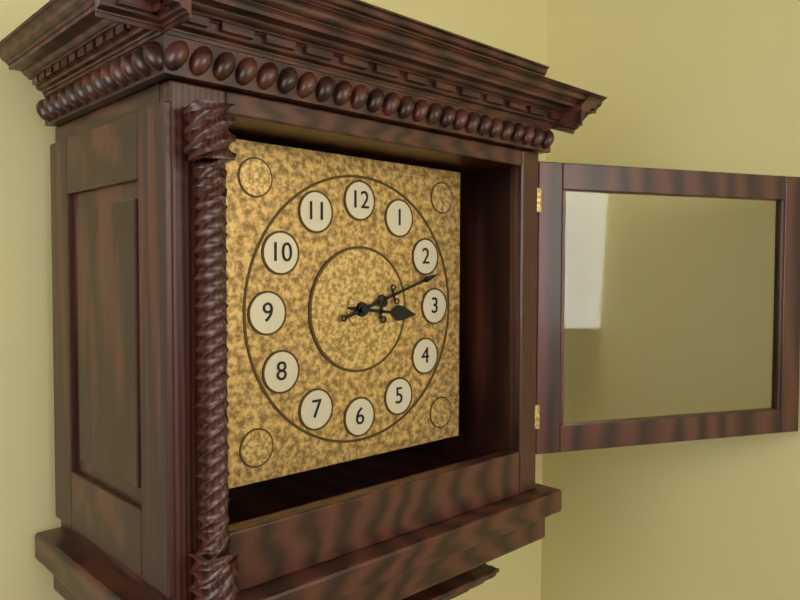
3:12
